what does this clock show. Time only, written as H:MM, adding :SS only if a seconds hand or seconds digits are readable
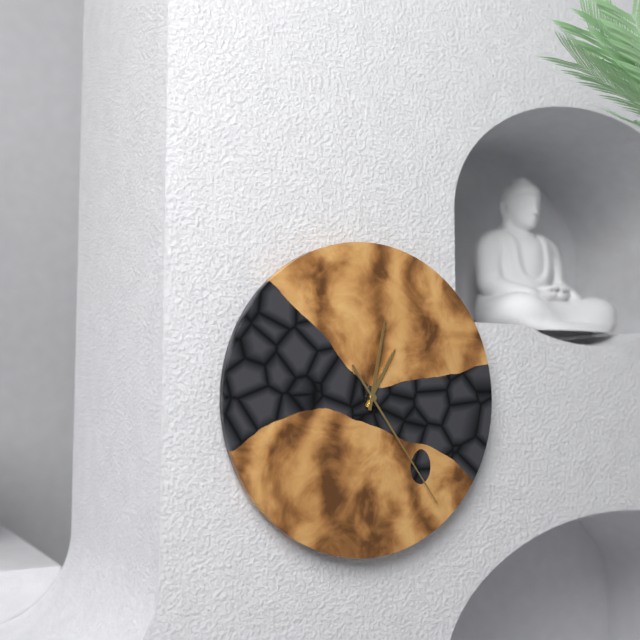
1:02:24
